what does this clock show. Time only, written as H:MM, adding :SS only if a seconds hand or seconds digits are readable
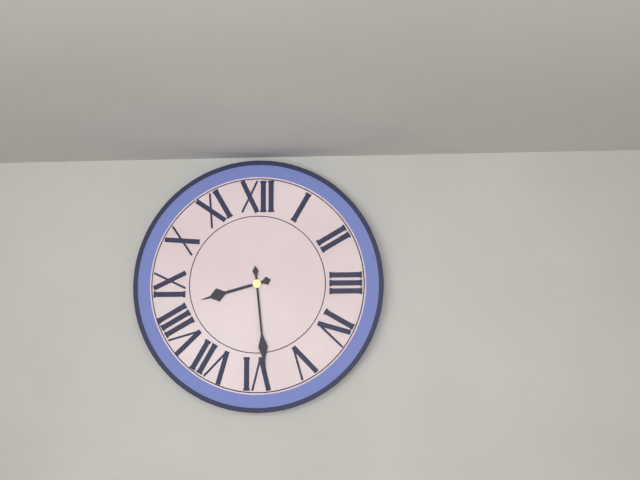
8:29
